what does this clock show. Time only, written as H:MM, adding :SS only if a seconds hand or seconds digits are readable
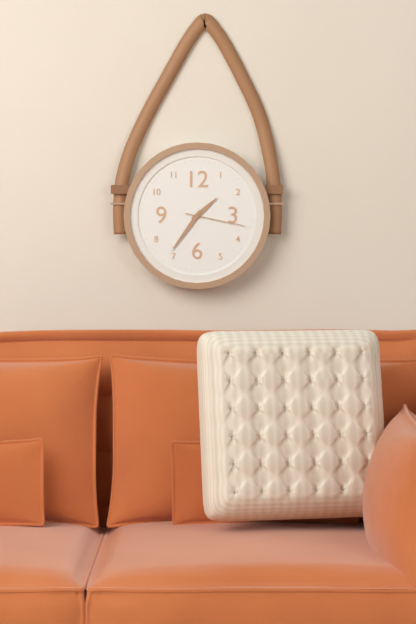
1:36:17
